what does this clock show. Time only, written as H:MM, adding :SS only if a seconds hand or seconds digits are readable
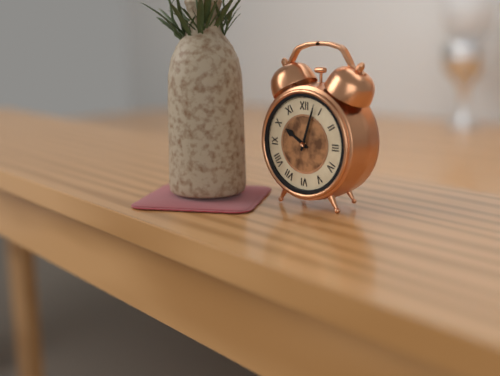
10:03
